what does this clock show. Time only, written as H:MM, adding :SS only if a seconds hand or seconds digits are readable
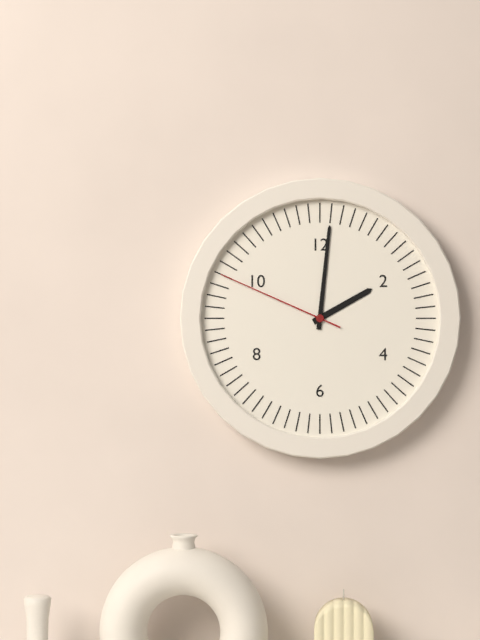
2:01:49
